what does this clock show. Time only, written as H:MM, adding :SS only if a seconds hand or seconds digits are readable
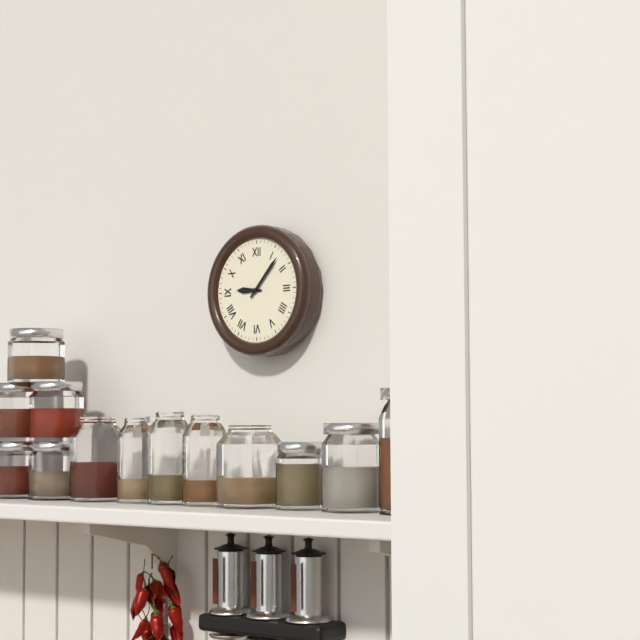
9:07
